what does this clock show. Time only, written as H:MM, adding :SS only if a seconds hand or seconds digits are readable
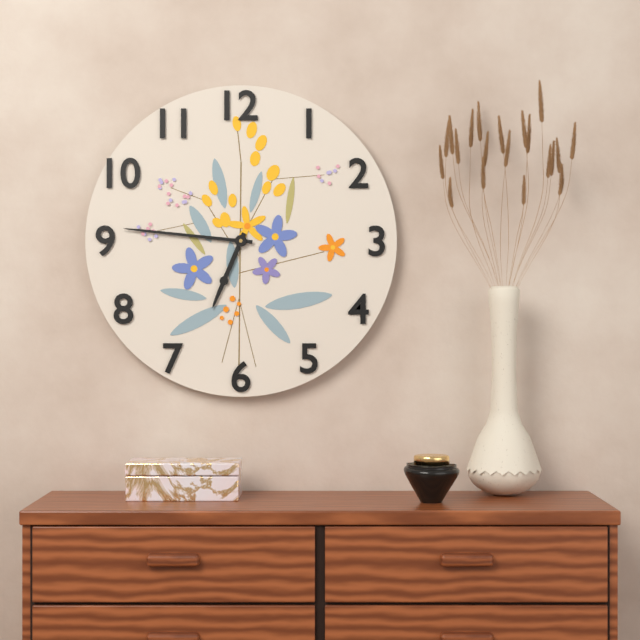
6:46
